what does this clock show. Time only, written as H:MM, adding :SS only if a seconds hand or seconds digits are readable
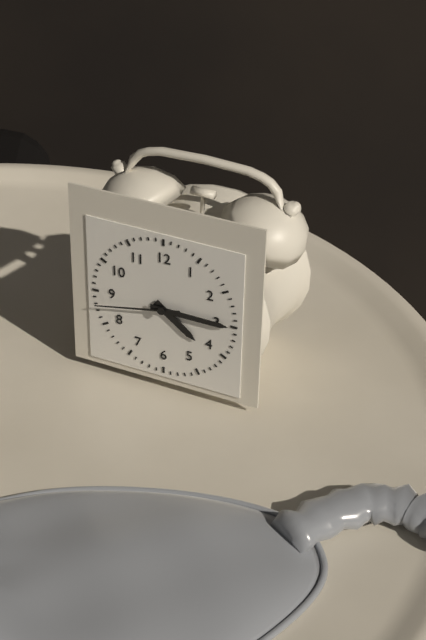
4:15:43
